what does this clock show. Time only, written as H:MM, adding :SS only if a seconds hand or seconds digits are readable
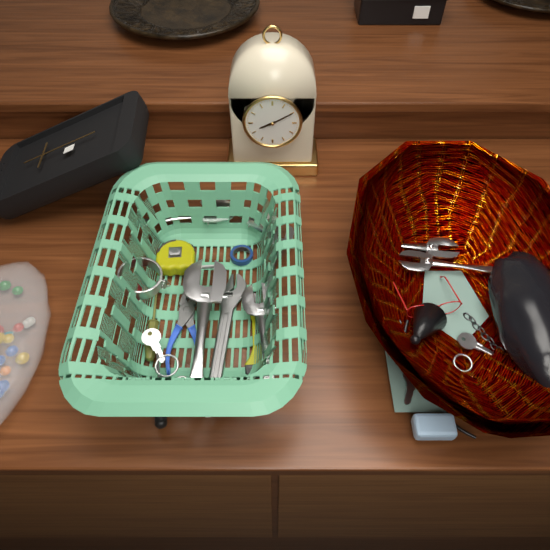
8:10
